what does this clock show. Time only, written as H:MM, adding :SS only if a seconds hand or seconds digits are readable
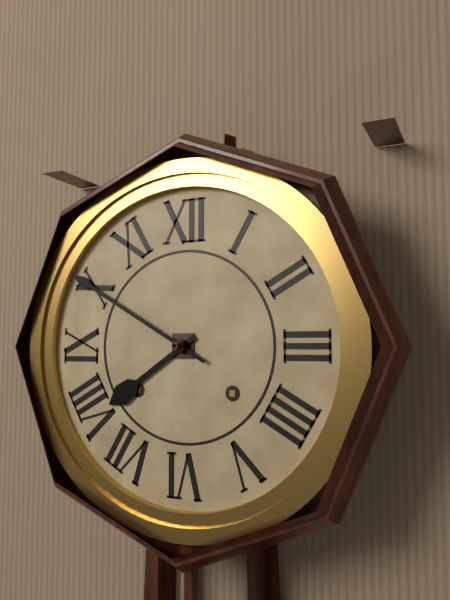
7:50
